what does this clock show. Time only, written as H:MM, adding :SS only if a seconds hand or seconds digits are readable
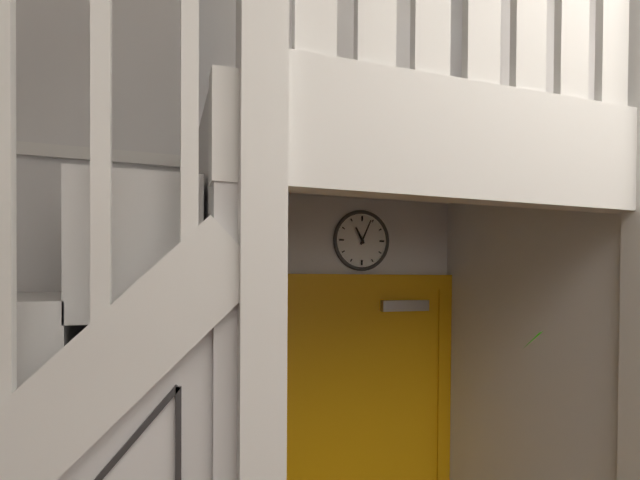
11:04
